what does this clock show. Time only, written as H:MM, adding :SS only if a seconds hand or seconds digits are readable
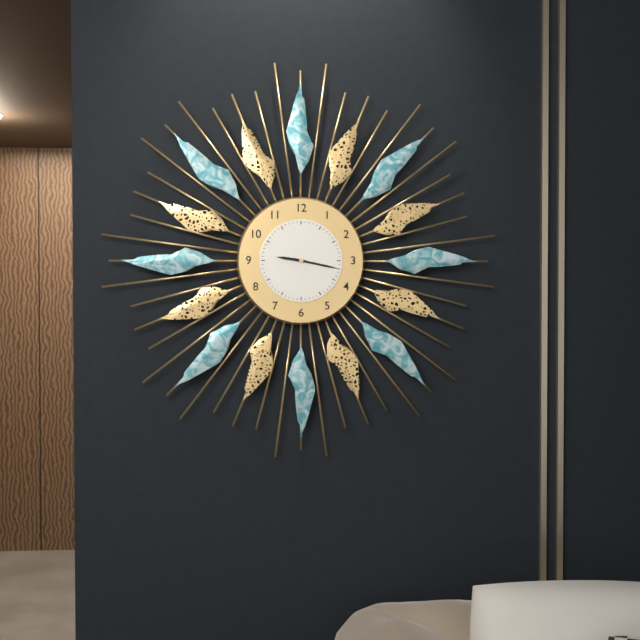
9:17
